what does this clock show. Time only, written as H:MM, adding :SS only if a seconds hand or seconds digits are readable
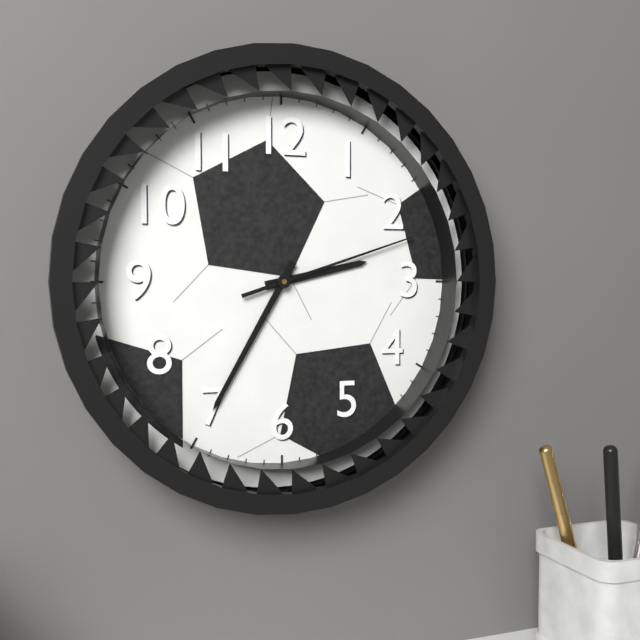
2:35:12
